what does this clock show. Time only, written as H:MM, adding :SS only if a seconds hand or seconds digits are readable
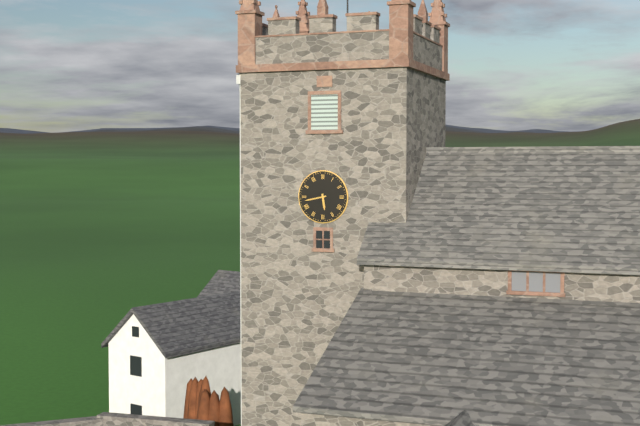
5:43
